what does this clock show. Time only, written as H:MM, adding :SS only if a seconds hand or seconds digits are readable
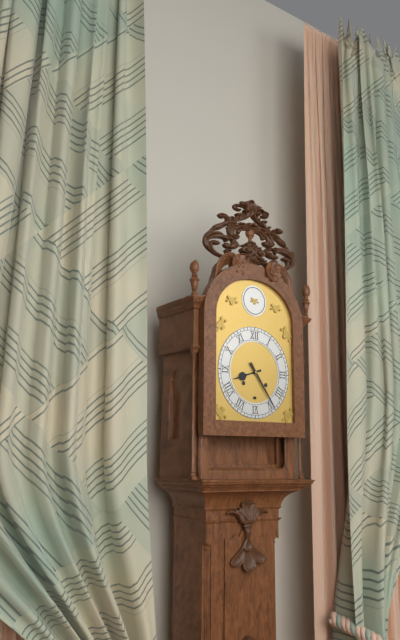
8:24
